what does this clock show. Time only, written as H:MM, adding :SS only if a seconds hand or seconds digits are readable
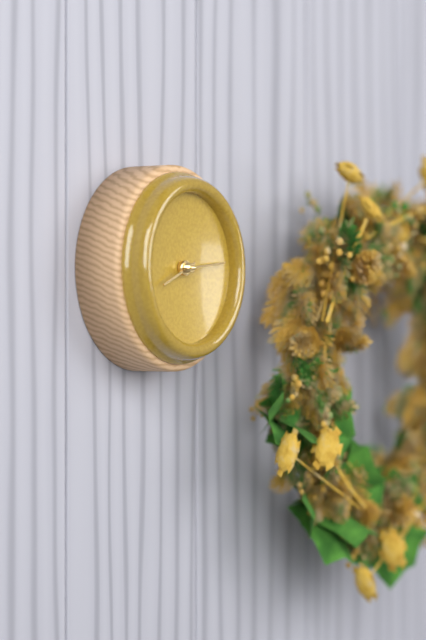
8:14
